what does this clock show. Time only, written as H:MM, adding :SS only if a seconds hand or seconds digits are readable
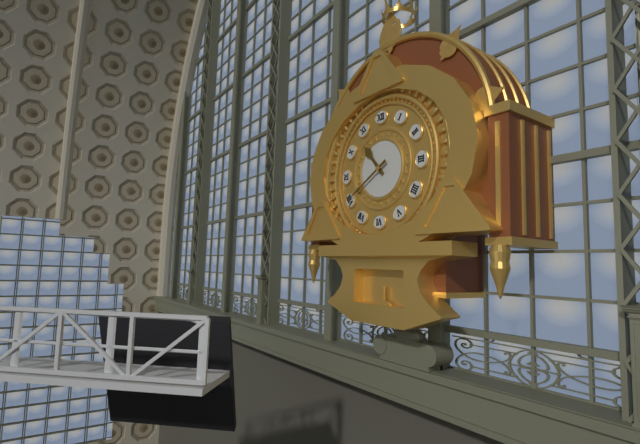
10:40
